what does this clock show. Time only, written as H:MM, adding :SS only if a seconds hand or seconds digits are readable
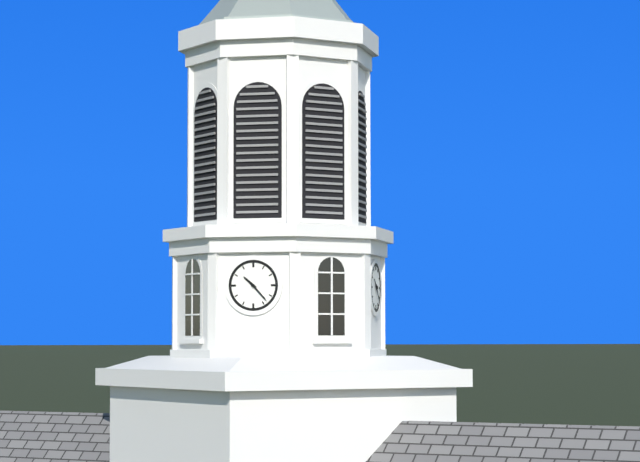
10:23
